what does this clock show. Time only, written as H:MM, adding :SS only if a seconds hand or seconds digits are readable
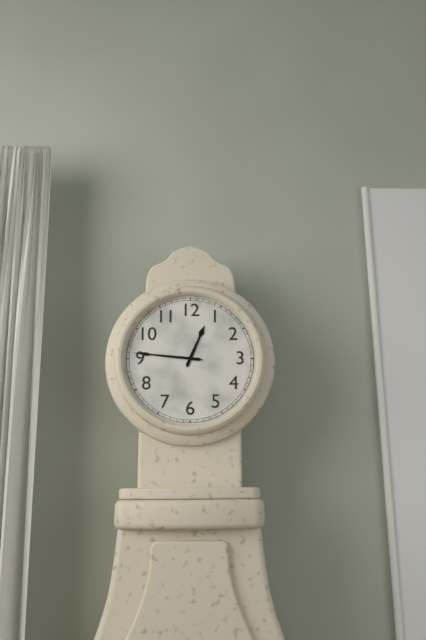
12:46
